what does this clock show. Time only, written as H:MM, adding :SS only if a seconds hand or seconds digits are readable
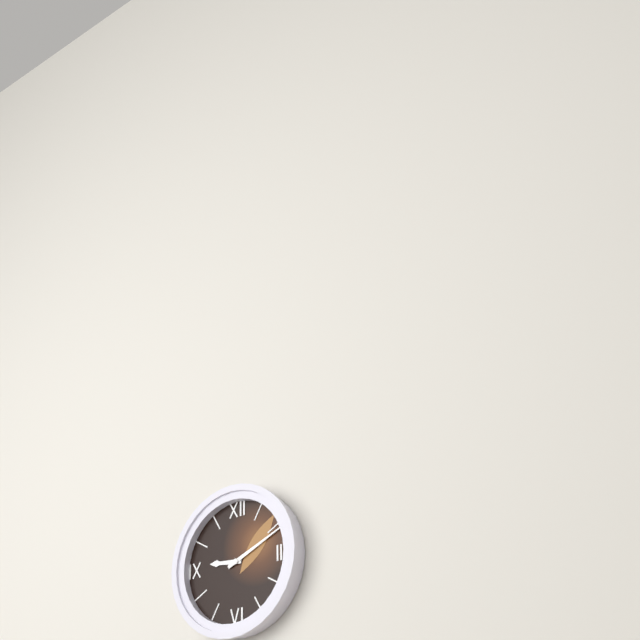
9:11
